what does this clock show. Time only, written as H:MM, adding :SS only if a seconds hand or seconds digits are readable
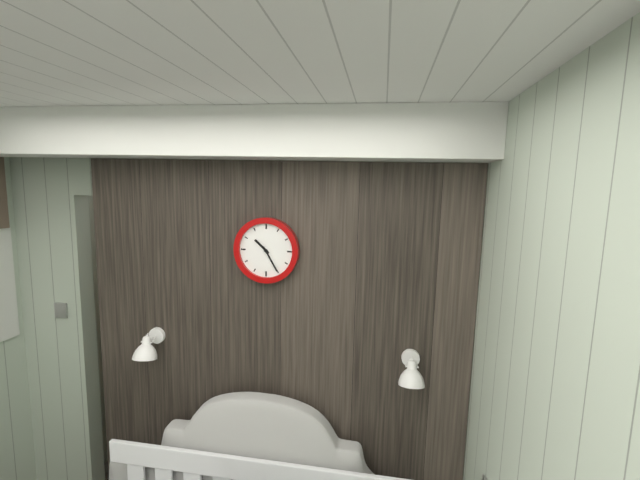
10:25
